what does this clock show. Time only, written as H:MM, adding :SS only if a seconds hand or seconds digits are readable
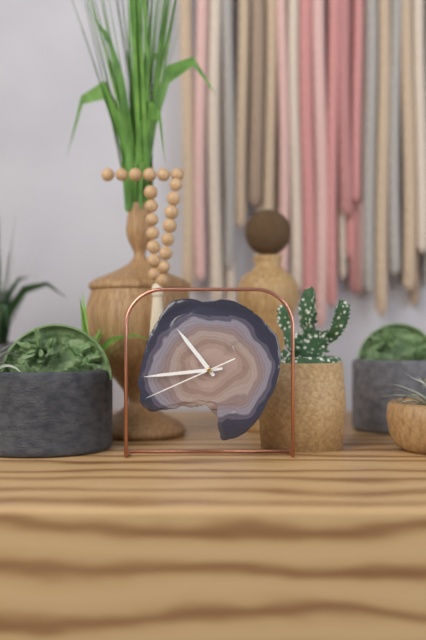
10:44:41
